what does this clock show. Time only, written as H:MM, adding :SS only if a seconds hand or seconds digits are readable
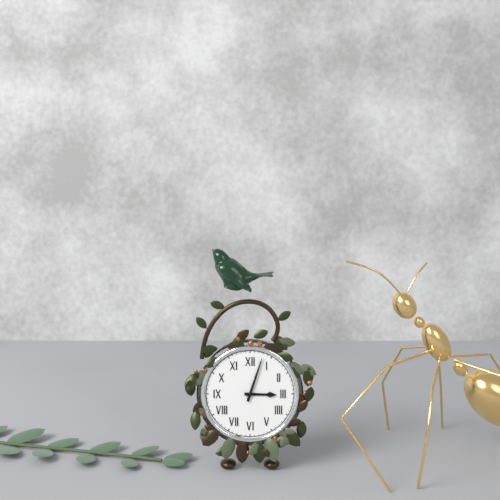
3:03
